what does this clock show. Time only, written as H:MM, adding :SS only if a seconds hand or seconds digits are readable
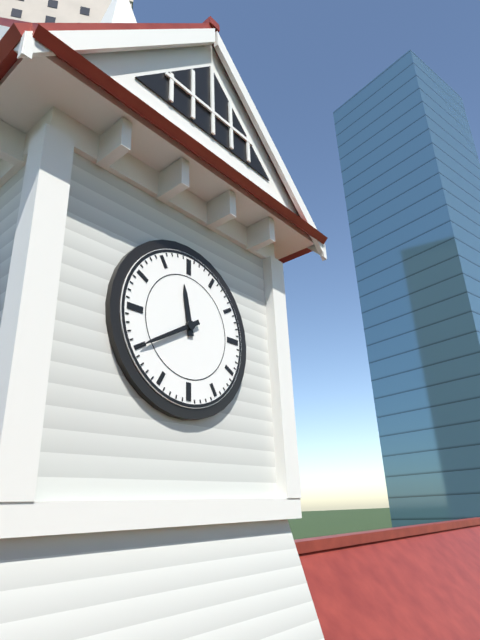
11:40
